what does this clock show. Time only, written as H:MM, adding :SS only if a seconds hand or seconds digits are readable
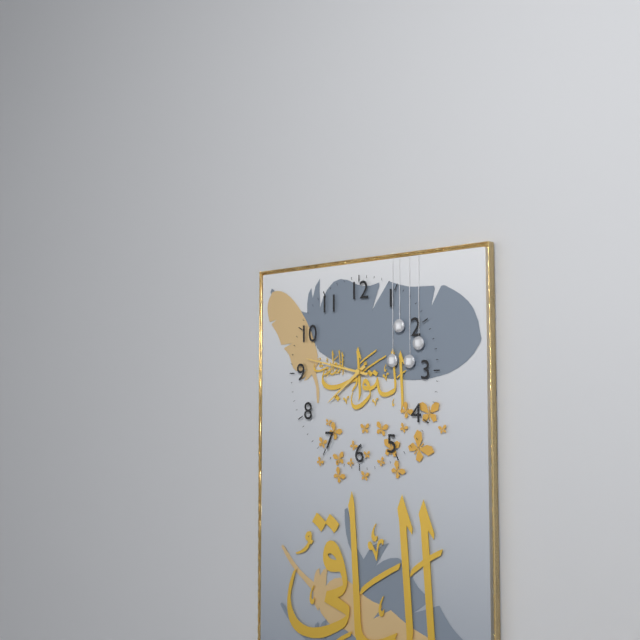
7:47
